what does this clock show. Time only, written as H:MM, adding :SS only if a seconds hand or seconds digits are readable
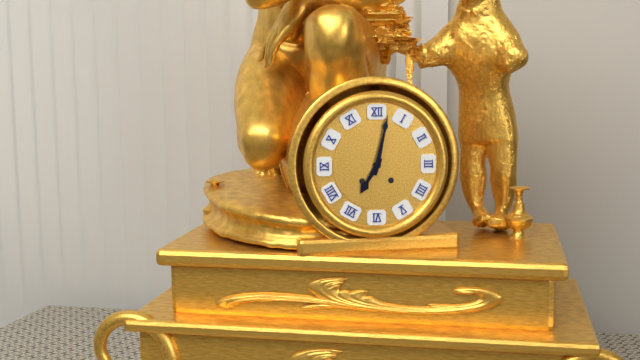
7:02
